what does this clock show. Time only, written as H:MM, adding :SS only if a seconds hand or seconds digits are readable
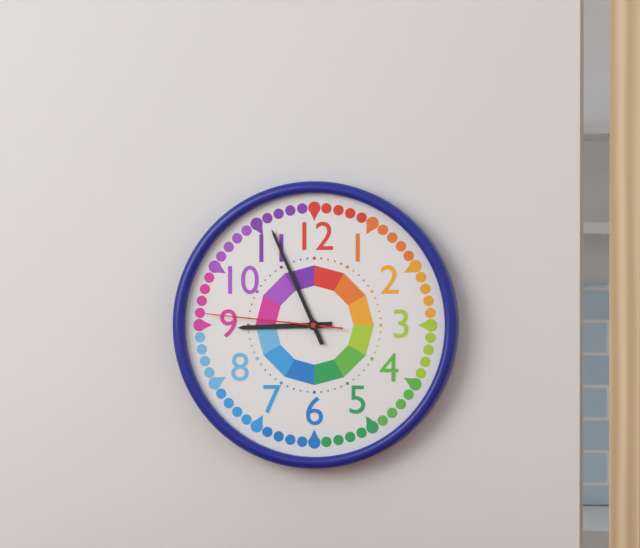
8:56:46
